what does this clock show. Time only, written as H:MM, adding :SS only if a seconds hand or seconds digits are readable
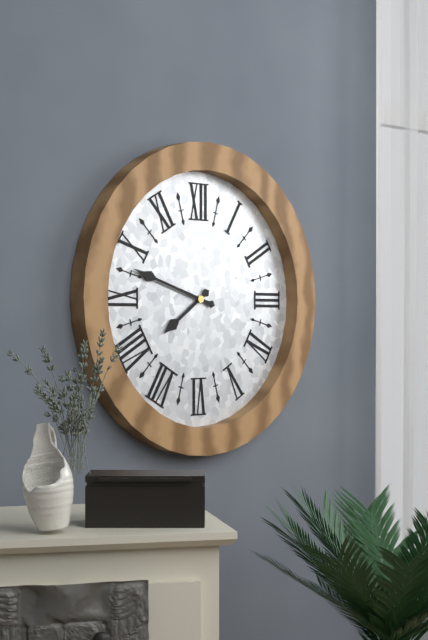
7:48
